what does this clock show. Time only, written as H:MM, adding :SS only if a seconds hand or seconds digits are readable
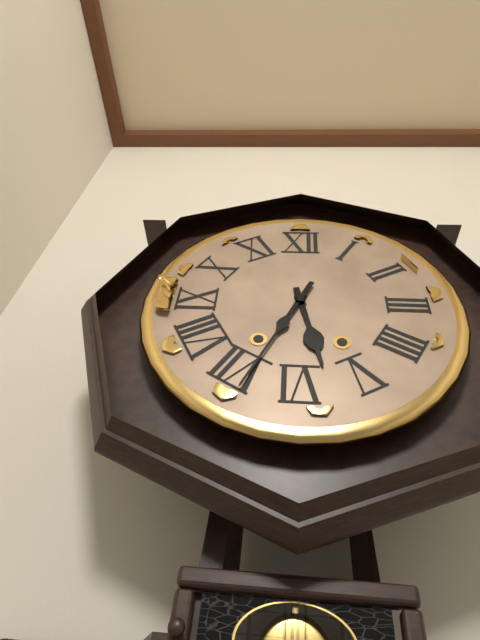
5:34
